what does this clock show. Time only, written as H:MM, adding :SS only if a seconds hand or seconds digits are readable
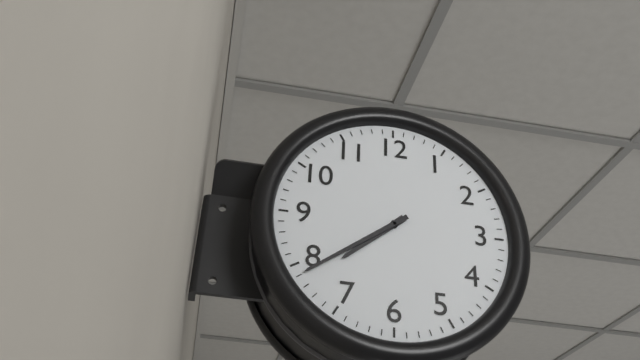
7:39
